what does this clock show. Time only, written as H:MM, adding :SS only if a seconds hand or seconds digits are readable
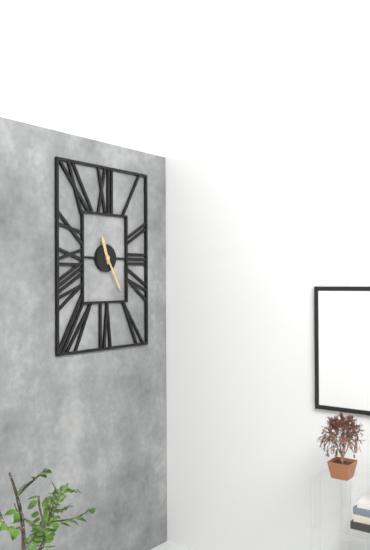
11:25
